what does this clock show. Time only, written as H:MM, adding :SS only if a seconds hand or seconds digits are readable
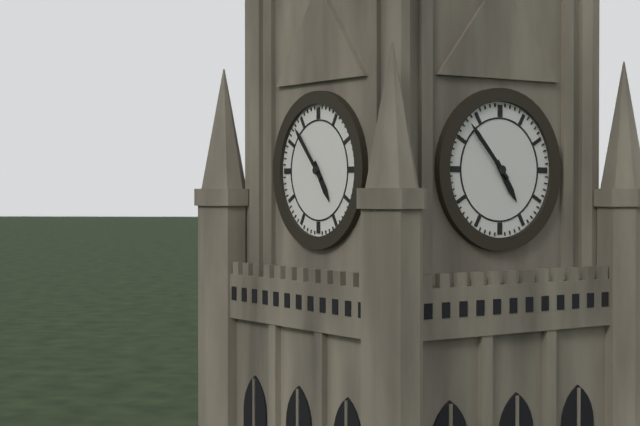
4:53
